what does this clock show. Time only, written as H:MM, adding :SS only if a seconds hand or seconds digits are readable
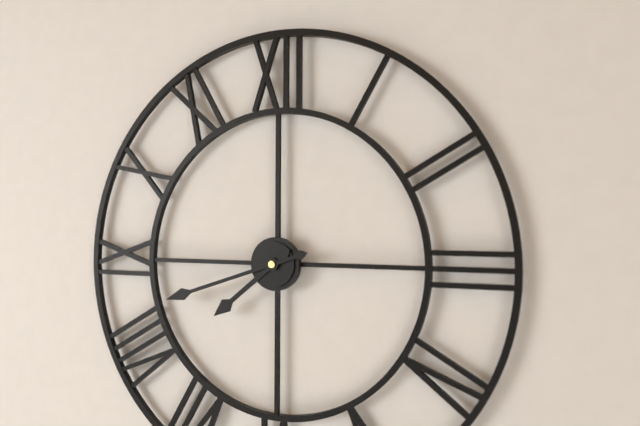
7:42
